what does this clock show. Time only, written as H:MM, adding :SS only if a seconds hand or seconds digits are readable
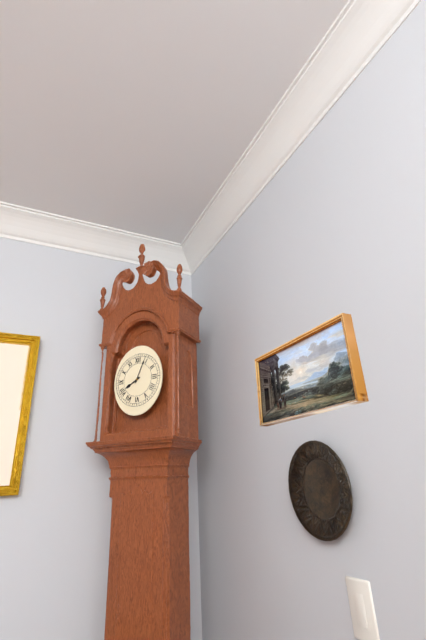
8:04
